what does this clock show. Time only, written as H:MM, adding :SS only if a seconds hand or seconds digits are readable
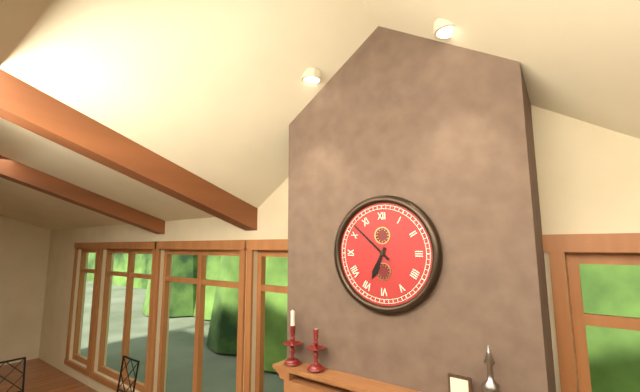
6:52
